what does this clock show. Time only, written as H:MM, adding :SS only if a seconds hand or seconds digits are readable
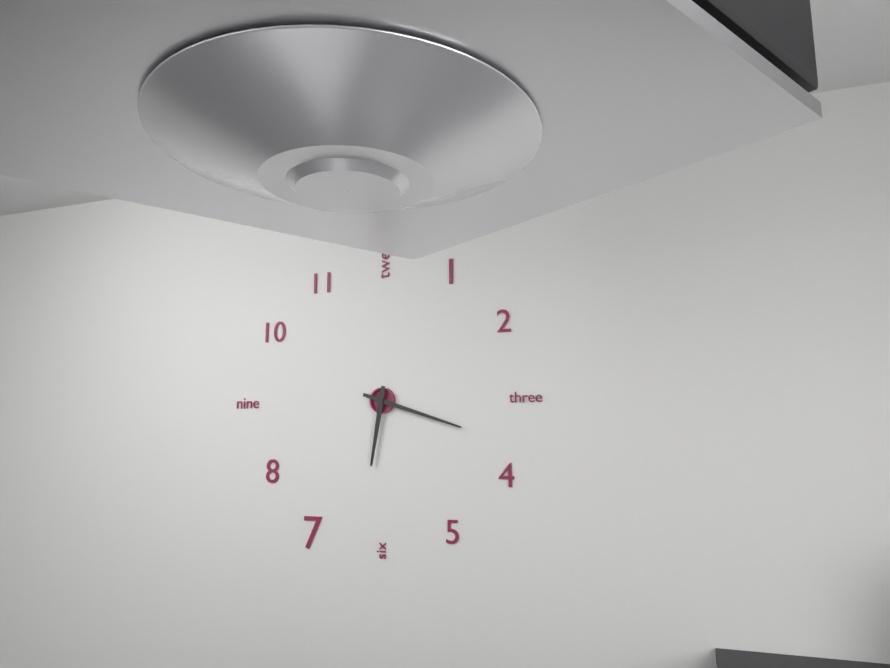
6:18
